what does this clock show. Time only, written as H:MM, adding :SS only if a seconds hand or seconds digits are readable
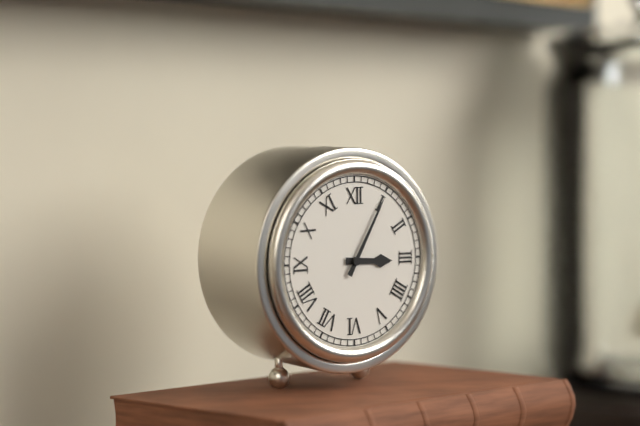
3:05
